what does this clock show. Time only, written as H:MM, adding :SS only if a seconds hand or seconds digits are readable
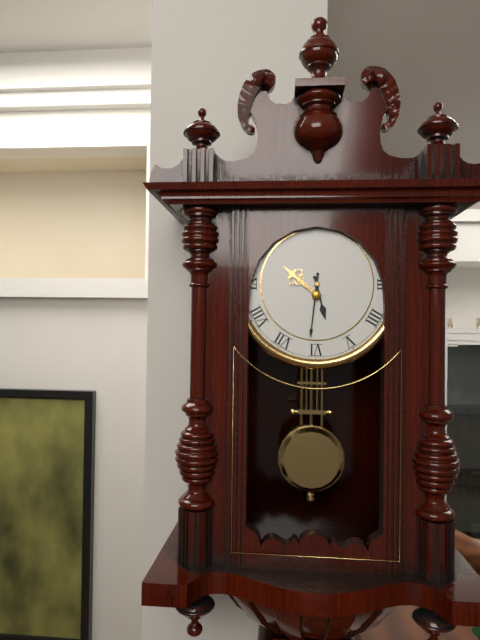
5:31
